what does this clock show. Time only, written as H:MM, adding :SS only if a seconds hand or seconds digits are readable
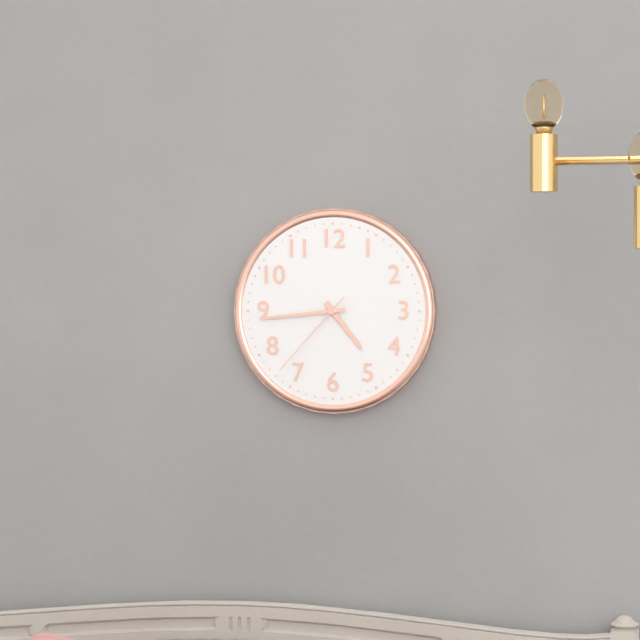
4:44:37
